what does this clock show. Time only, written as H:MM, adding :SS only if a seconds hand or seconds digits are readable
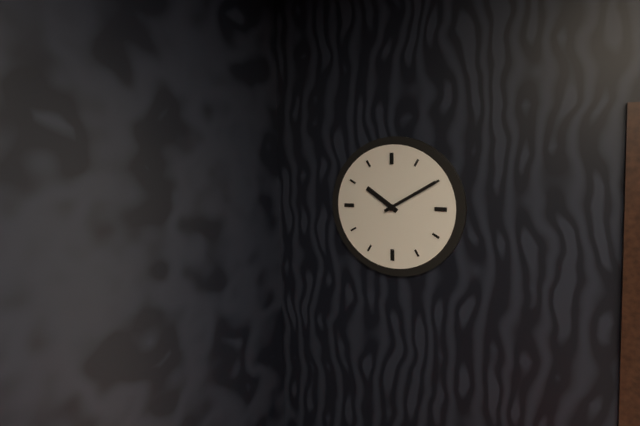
10:10
